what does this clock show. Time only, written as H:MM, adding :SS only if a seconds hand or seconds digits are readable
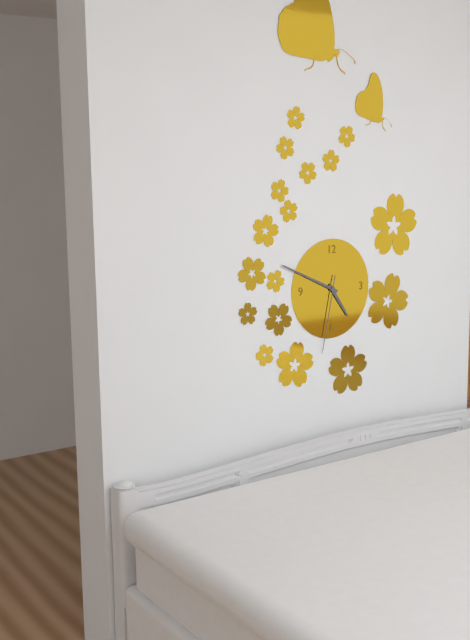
4:49:32
